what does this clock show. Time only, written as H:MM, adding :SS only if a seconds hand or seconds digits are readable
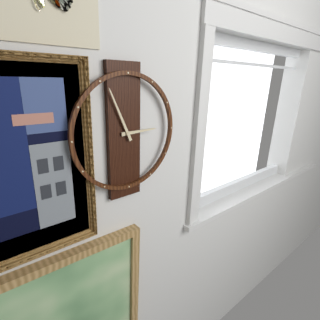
2:56
